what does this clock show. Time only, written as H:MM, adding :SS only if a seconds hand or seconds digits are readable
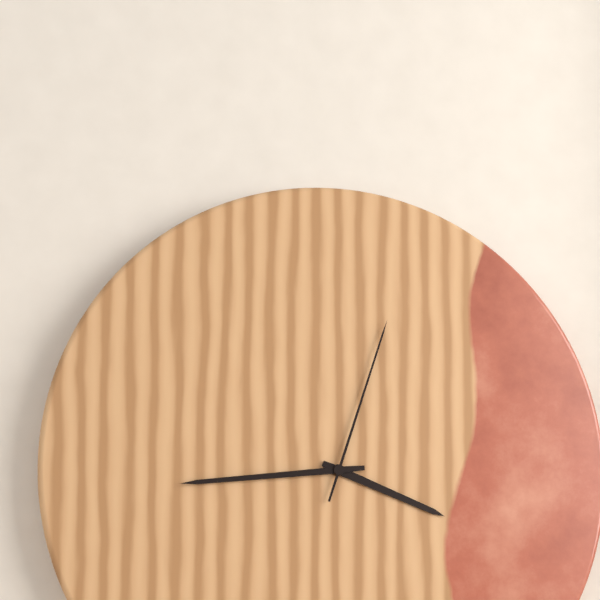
3:44:03
